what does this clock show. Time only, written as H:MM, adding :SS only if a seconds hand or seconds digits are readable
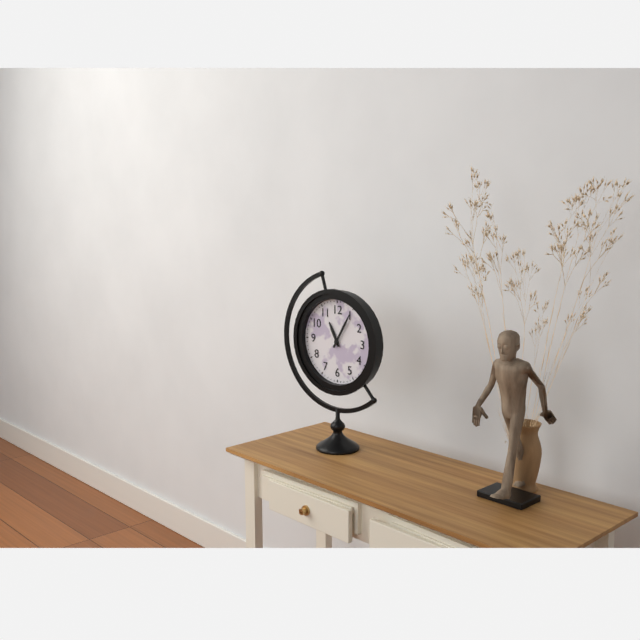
11:05
